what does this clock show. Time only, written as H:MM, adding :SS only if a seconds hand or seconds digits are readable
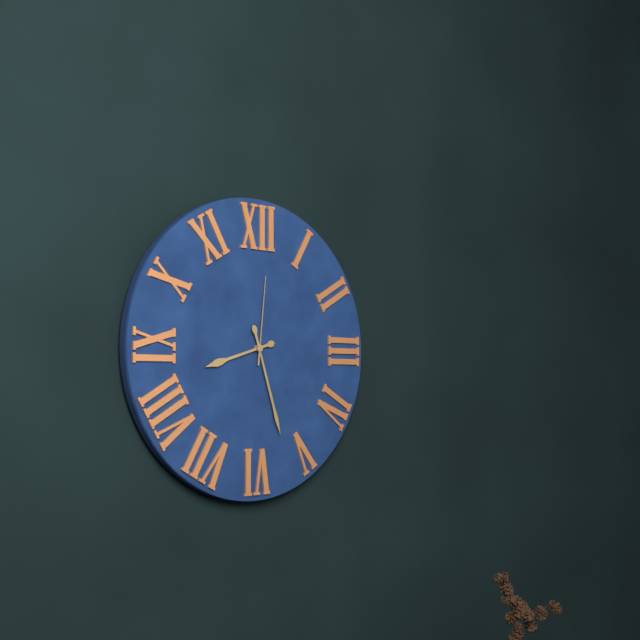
8:27:01
